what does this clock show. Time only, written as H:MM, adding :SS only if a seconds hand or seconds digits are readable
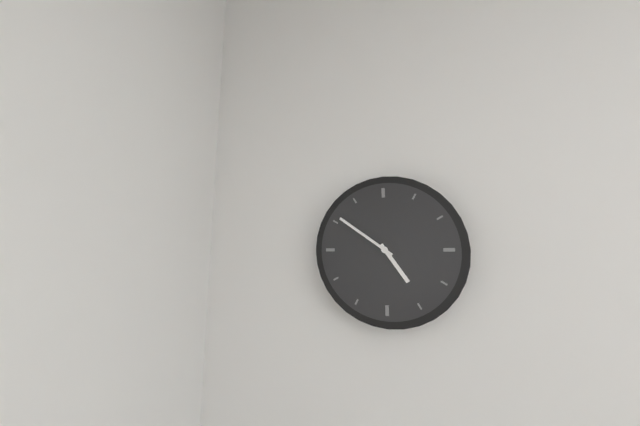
4:51
